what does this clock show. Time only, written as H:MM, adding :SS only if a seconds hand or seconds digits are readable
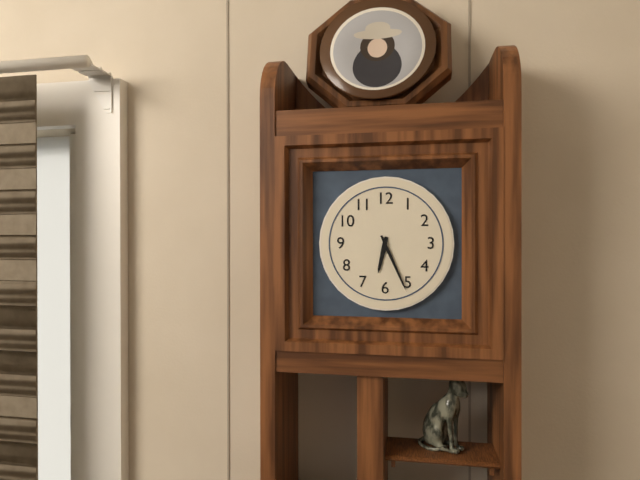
6:26
